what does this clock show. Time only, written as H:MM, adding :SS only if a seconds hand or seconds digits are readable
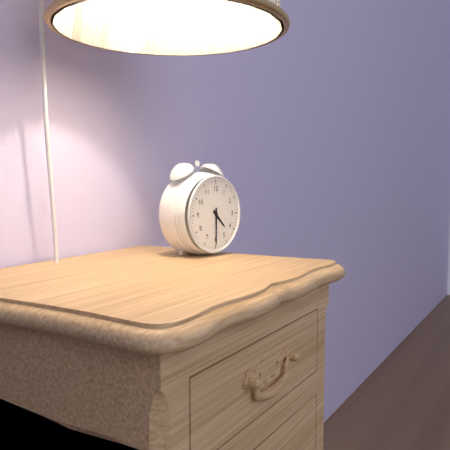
4:30
